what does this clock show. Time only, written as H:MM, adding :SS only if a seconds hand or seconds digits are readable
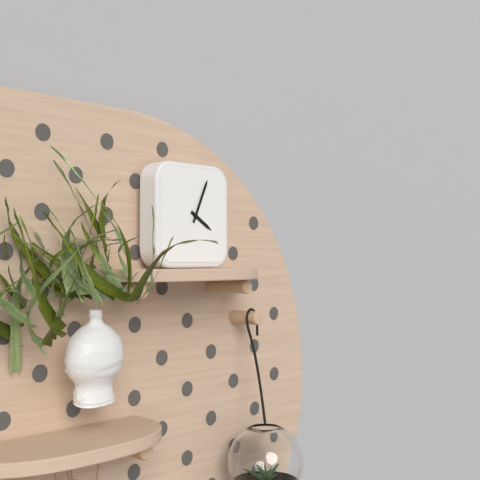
4:04
